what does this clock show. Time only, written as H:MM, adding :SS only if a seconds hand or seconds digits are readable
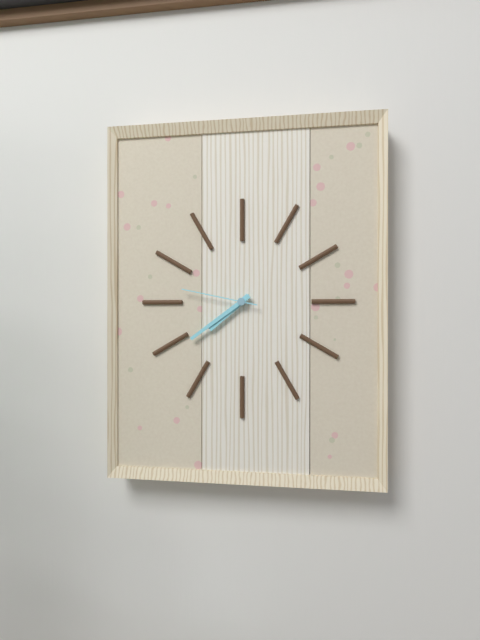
7:39:47
